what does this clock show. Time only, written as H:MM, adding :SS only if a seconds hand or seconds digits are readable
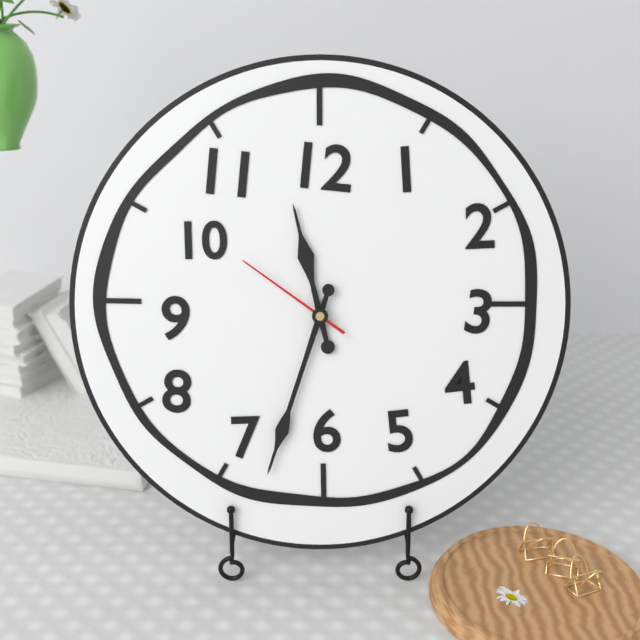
11:33:51
